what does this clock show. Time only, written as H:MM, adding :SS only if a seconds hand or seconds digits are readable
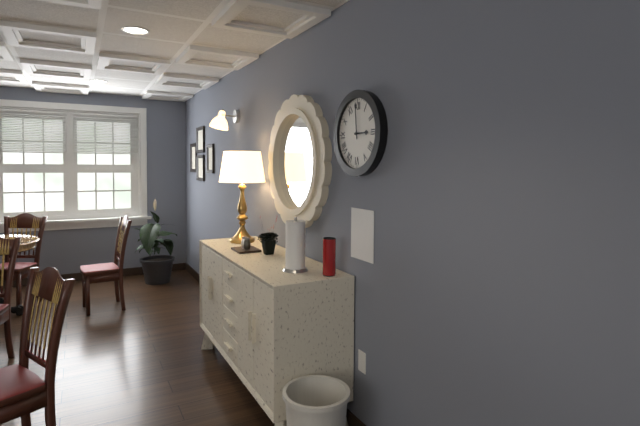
2:59
